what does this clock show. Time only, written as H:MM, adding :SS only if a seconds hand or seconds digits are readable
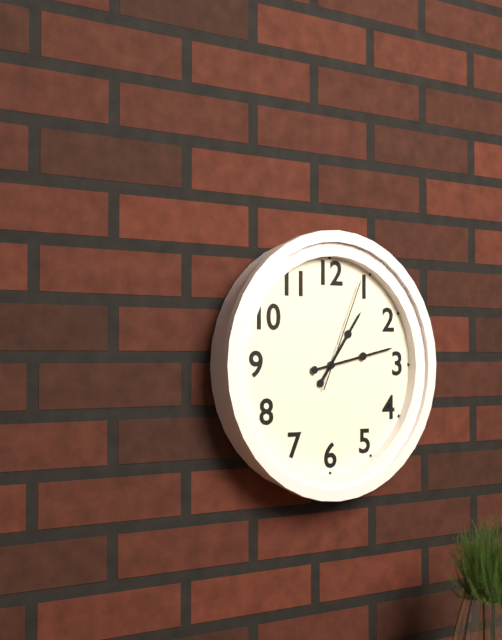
1:13:04
